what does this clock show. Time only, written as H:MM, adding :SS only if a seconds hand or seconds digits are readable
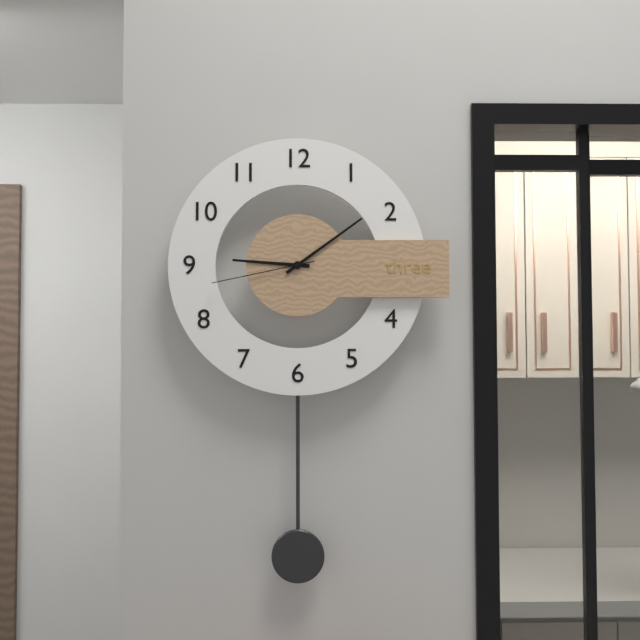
9:09:43
